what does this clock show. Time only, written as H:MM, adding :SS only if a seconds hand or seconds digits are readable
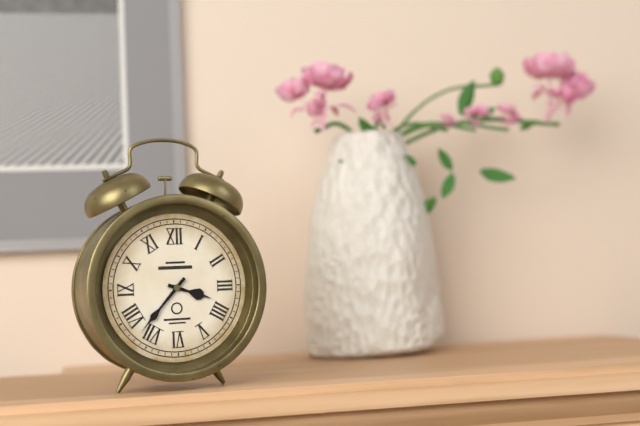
3:37
